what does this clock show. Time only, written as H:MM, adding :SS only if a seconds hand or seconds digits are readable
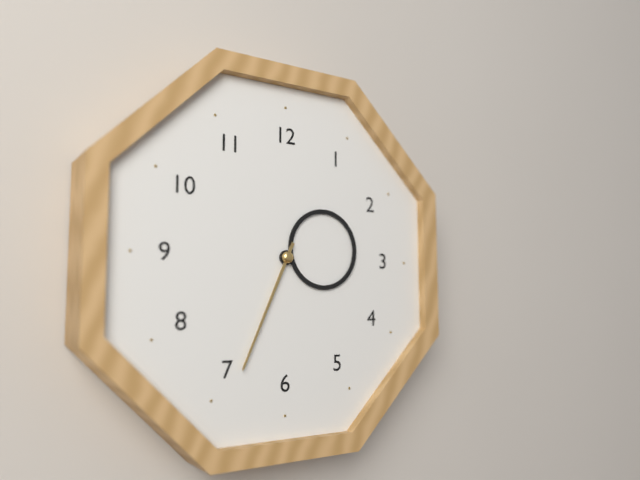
2:34
